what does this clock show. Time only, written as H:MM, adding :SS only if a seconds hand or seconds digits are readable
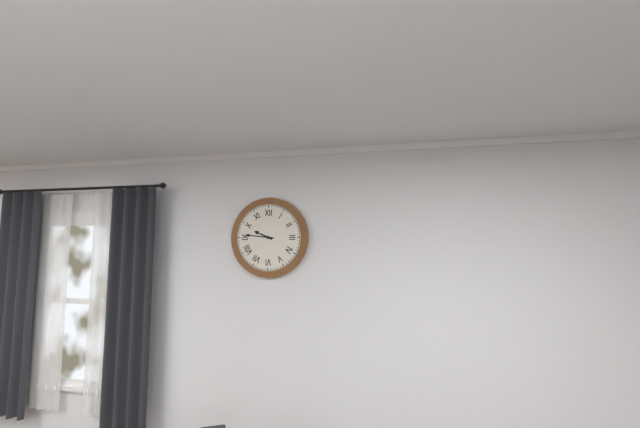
9:46
